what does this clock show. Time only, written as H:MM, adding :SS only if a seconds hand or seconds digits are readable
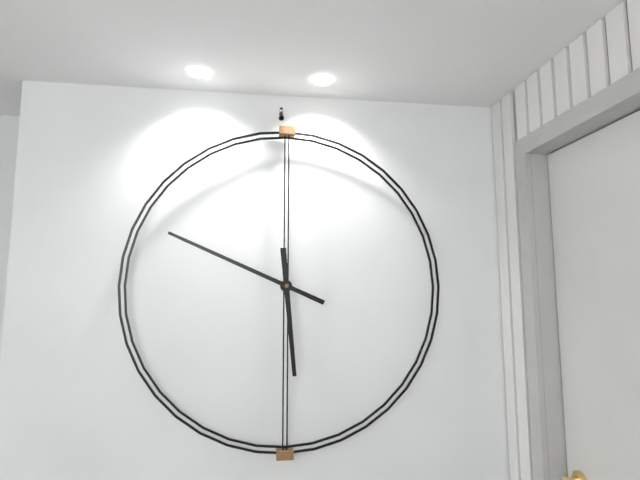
5:49
